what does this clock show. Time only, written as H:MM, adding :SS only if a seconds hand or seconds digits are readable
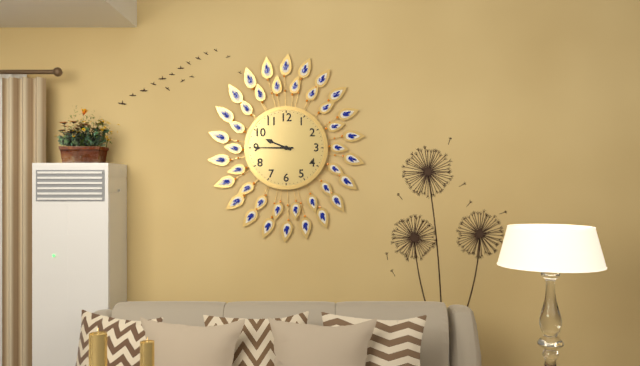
9:45
